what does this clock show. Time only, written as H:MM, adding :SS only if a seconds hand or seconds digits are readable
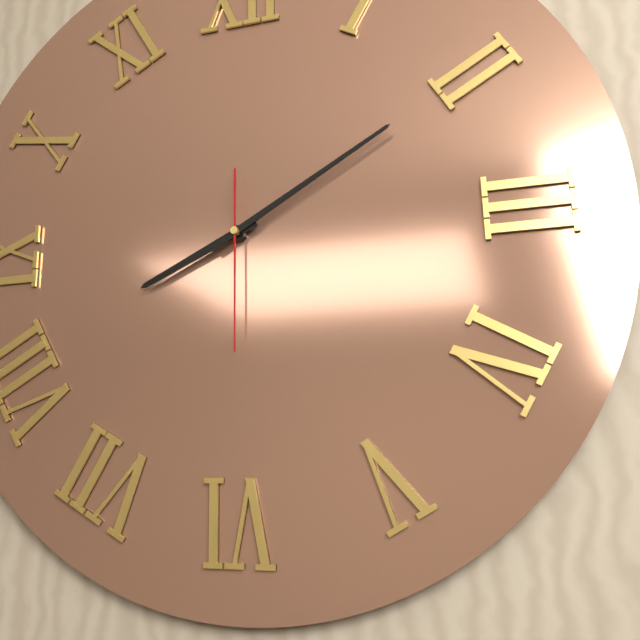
8:10:30
